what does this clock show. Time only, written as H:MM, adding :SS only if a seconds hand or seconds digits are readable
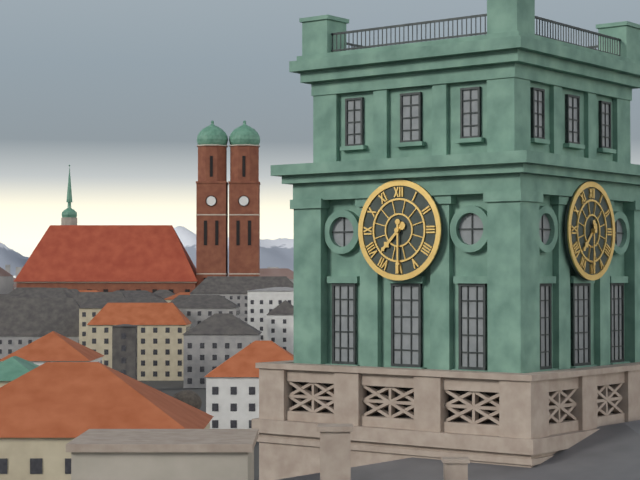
7:30
